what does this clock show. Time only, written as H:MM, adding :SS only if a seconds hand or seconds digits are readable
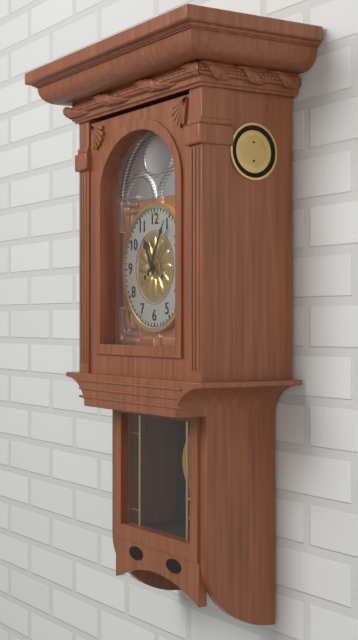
11:05
